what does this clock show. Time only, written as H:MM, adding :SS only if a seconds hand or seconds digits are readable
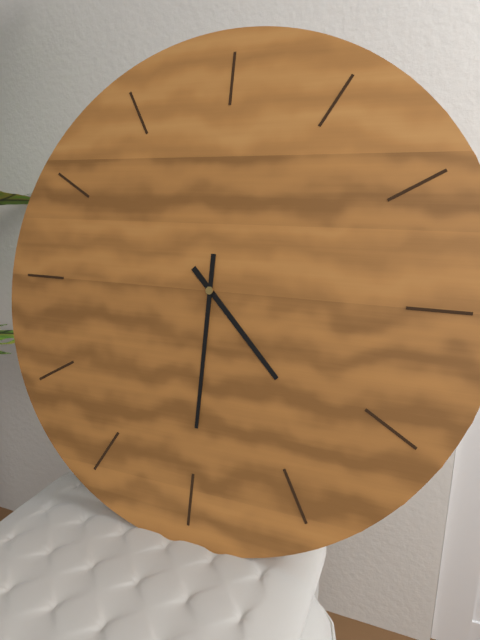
4:30
